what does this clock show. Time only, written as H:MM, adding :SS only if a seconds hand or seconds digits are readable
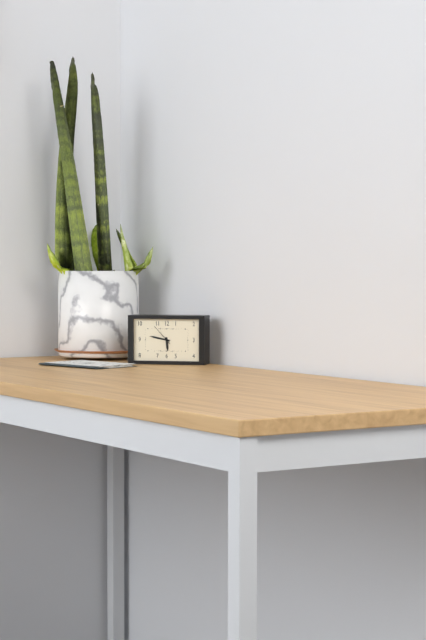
5:47
